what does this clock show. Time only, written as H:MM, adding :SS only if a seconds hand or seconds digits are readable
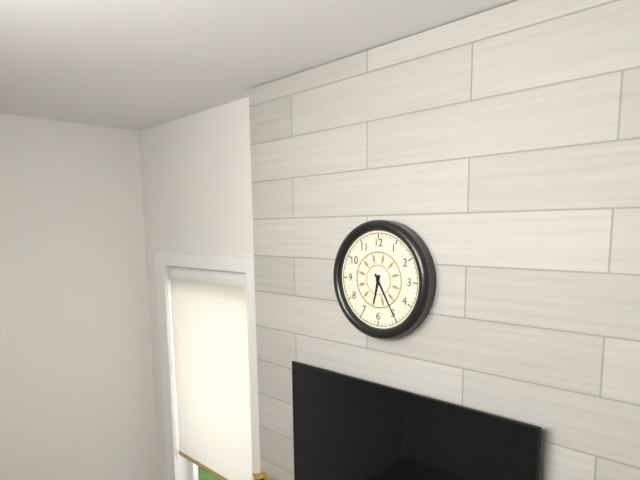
6:25
